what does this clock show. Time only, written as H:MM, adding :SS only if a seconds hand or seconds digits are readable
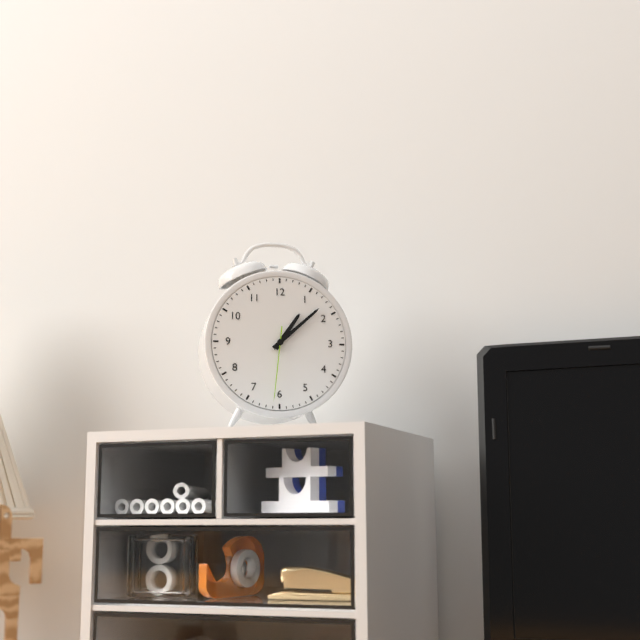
1:08:31
